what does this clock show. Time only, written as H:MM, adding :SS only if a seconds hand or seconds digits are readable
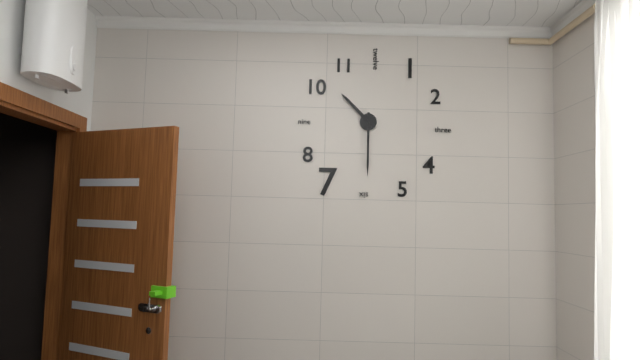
10:30
